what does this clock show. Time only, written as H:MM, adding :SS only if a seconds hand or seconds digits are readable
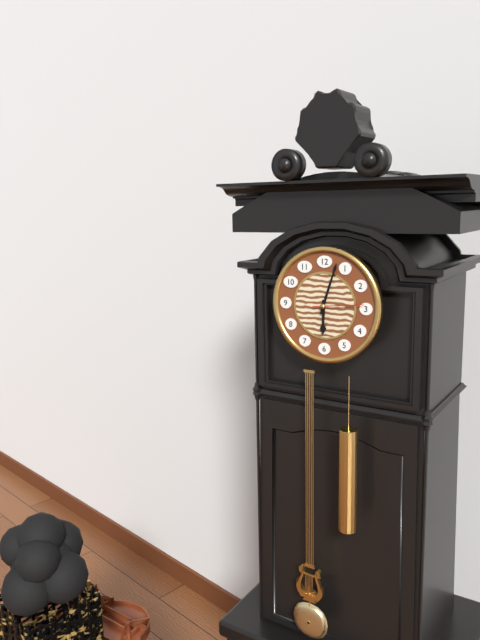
6:03
